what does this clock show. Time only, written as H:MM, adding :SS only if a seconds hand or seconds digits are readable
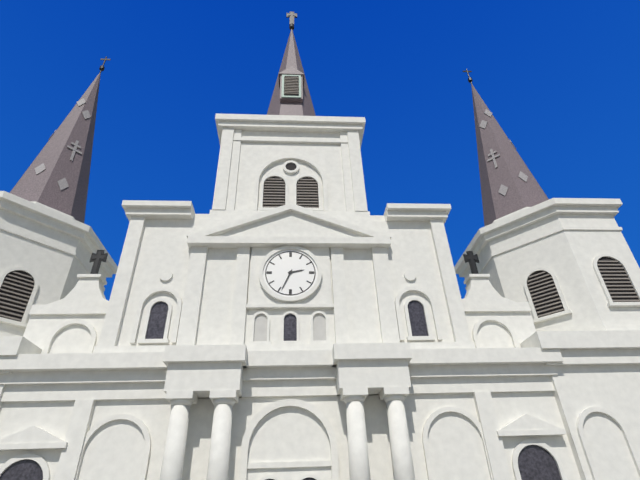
2:34
